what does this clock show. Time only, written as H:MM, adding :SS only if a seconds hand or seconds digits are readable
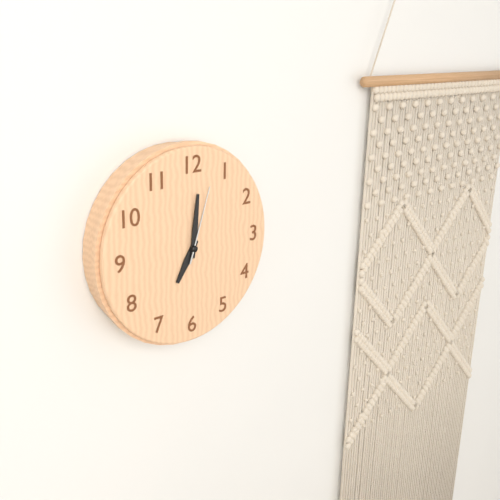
7:01:03
